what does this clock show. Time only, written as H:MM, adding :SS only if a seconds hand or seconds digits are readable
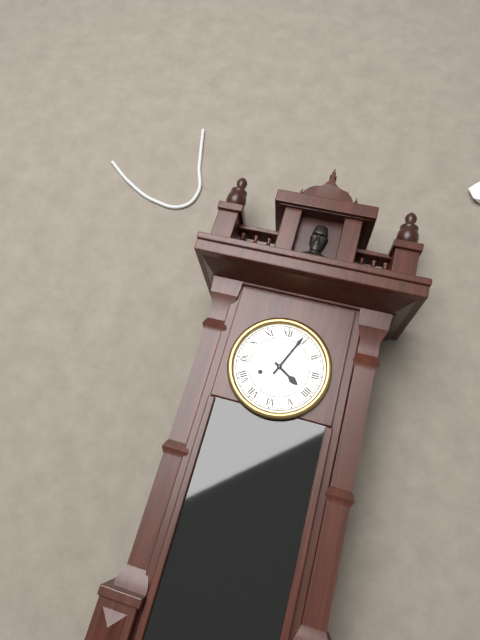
4:04
